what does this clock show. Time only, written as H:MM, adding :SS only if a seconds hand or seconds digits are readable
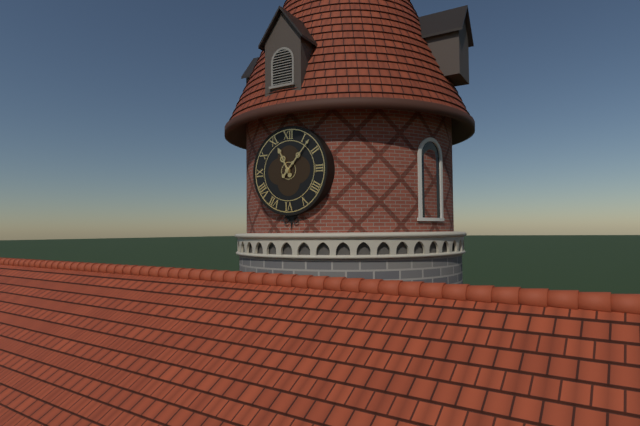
11:07
